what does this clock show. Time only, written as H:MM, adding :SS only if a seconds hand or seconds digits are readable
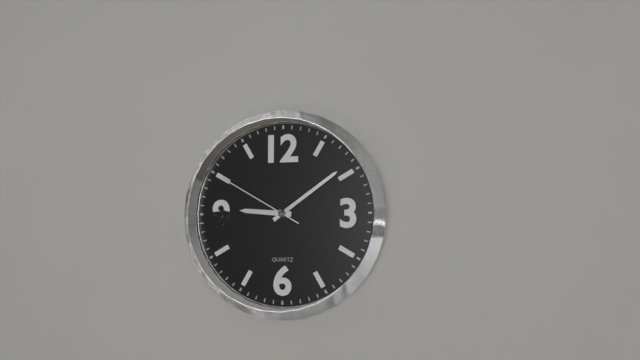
9:09:50
